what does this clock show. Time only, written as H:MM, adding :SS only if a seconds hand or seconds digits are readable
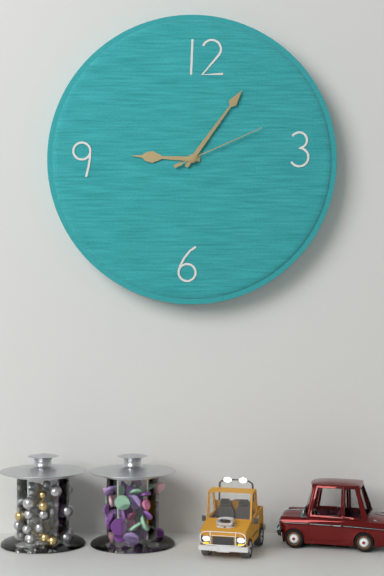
9:06:11
